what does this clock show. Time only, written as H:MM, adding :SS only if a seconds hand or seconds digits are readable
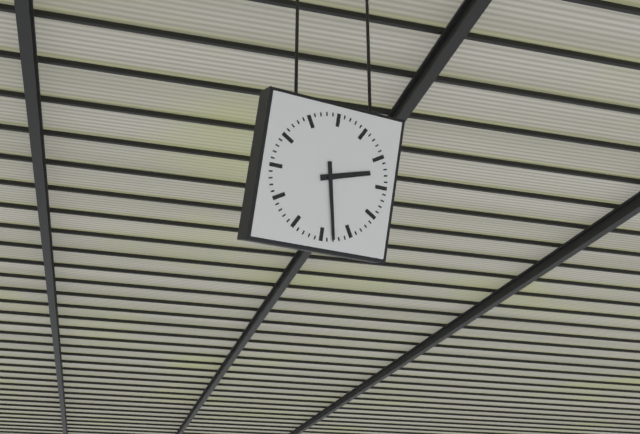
2:28
